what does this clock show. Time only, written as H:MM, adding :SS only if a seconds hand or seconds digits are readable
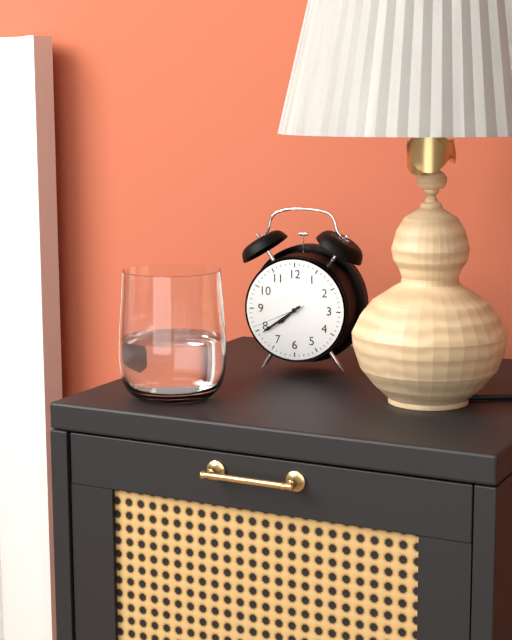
7:39:41
